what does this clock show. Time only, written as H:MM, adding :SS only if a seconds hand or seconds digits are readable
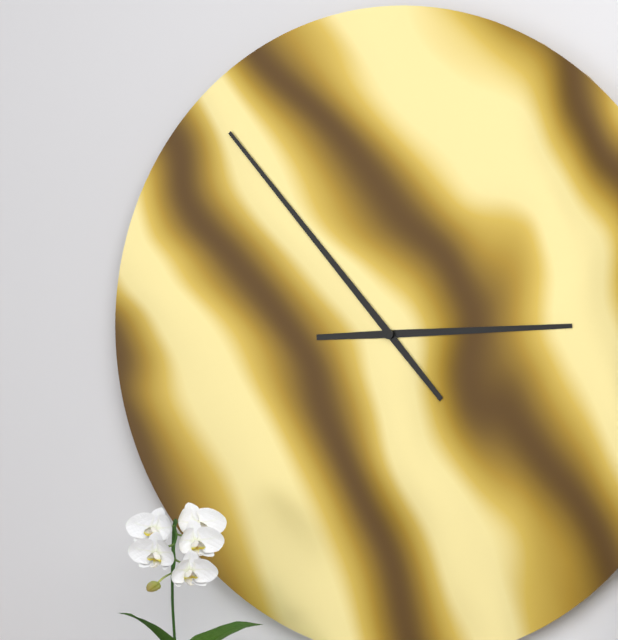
2:53
